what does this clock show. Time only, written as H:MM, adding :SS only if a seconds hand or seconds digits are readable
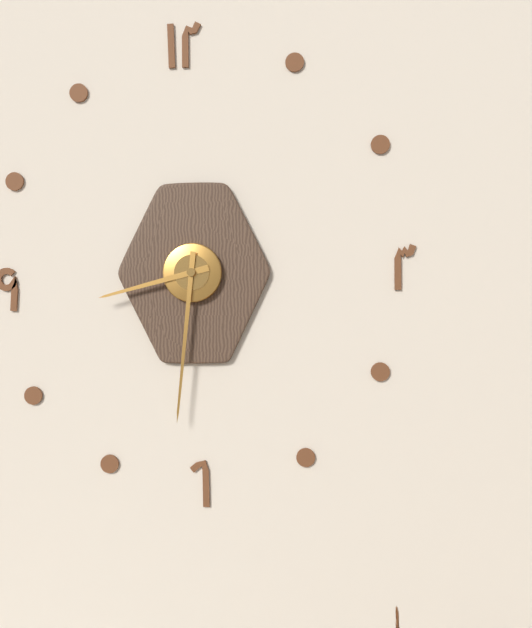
8:31
